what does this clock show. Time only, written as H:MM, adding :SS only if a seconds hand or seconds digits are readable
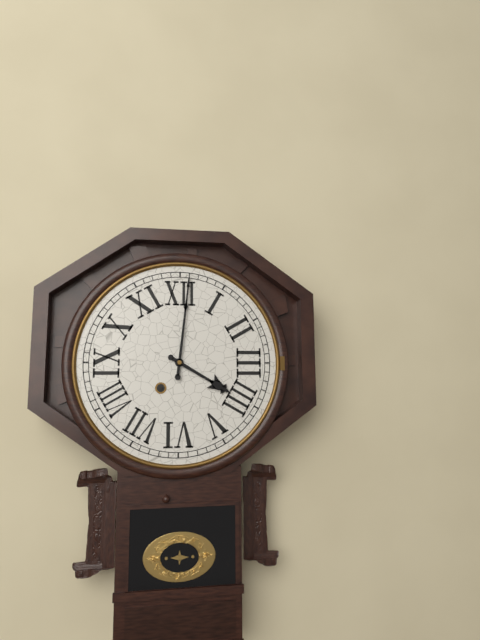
4:01
